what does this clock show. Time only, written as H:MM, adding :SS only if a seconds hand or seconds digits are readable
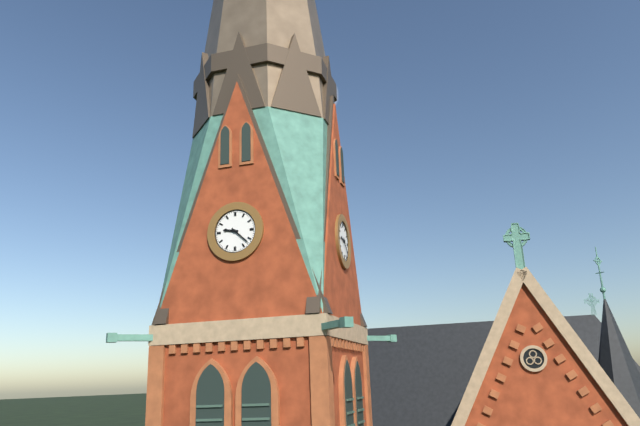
9:22
